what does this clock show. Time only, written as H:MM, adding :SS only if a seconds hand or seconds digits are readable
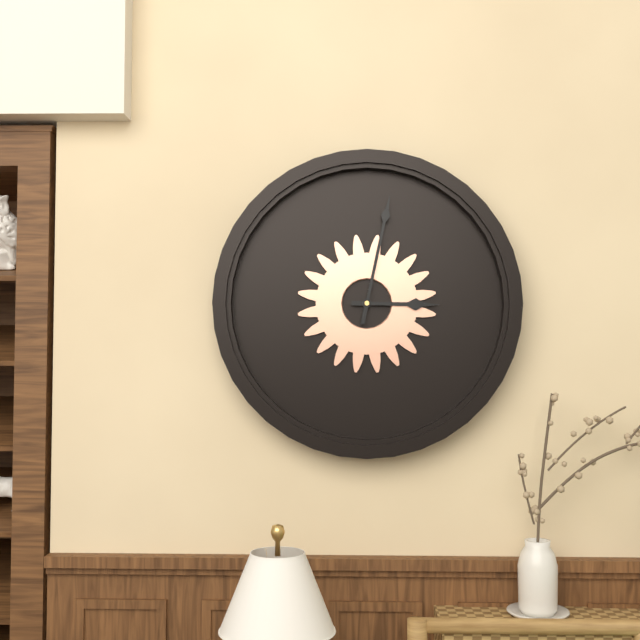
3:02
